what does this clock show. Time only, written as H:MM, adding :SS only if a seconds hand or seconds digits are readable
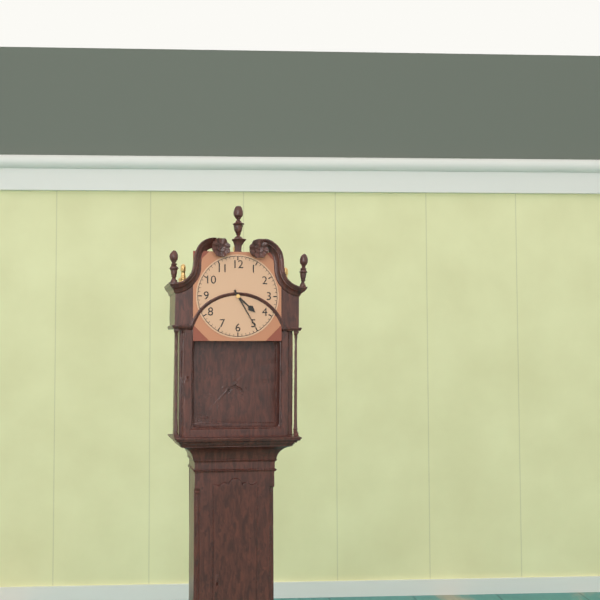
4:25
